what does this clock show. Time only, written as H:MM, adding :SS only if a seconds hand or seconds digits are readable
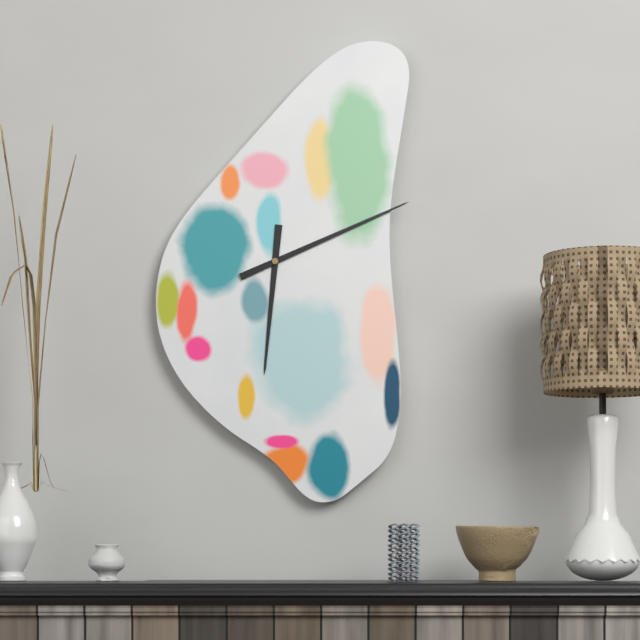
6:11
